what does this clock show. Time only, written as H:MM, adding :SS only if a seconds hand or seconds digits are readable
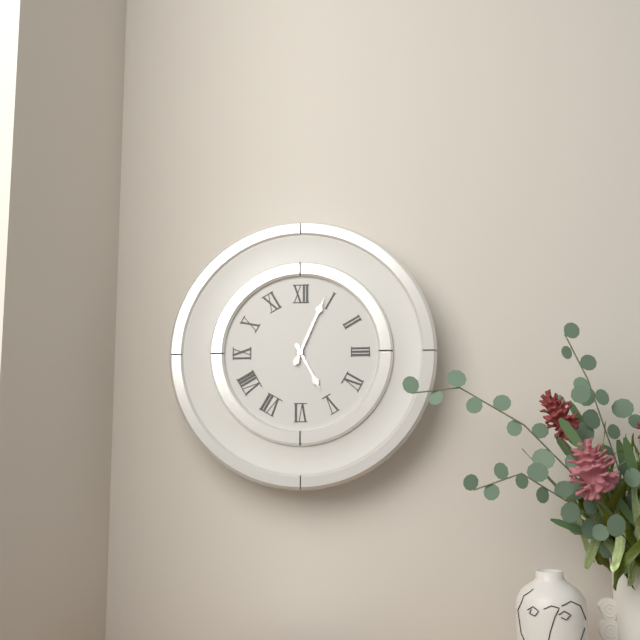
5:04
